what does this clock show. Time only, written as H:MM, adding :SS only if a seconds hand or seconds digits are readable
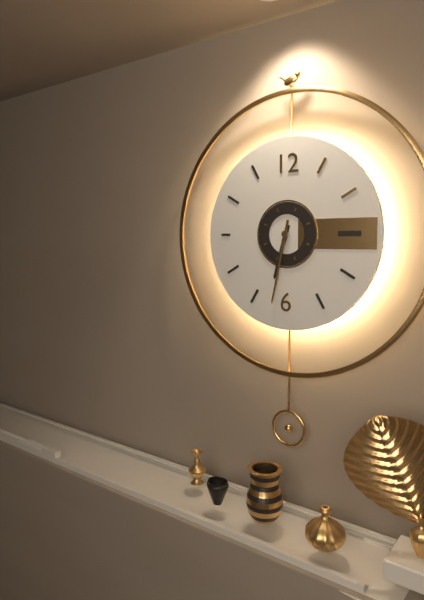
6:32
